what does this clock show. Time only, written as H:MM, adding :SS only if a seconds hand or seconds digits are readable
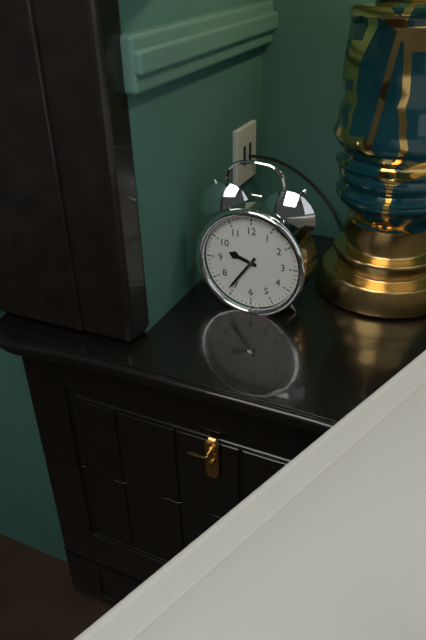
9:36
